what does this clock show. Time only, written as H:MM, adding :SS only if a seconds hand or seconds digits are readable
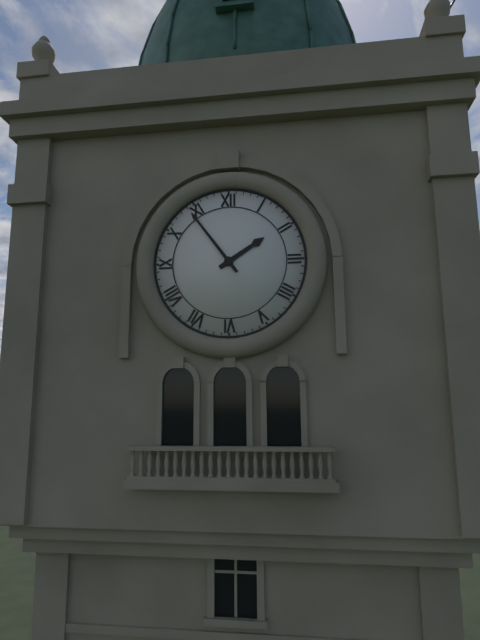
1:54
